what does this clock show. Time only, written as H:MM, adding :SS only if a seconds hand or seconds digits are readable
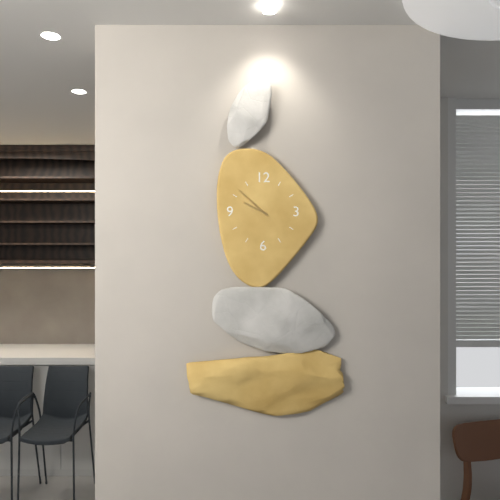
9:52
